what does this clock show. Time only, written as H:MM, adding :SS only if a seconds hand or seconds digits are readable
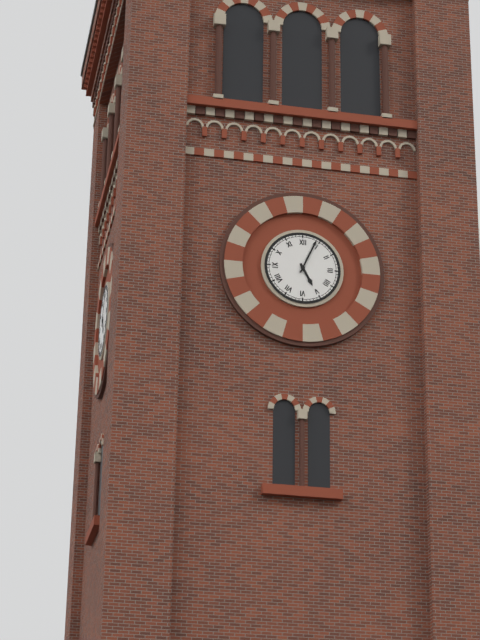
5:04
